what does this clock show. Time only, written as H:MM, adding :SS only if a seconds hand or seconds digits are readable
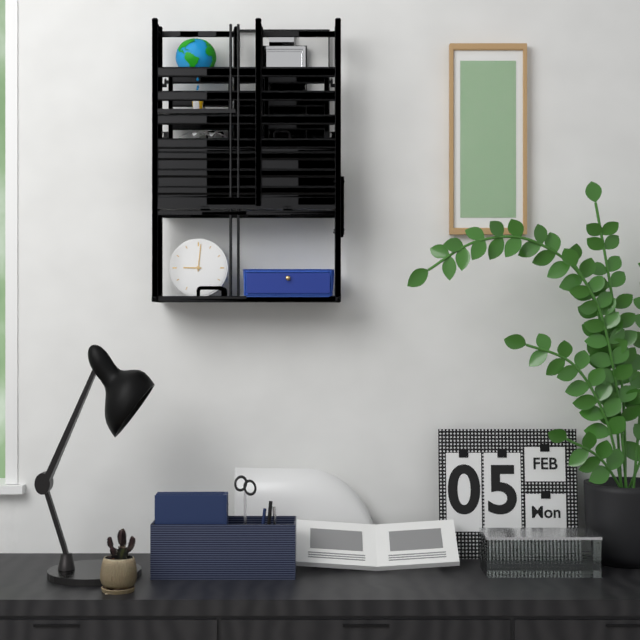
9:01
